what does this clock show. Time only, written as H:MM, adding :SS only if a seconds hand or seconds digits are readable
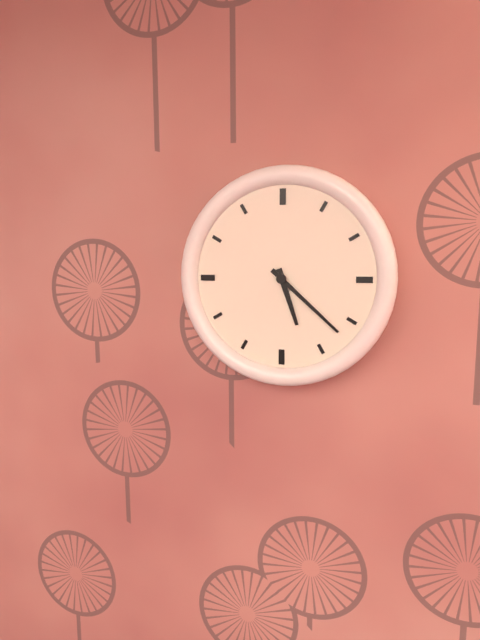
5:22
